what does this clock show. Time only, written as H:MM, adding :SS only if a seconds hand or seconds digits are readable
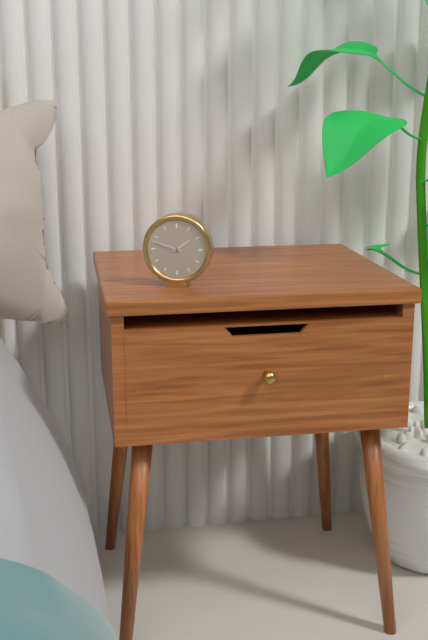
1:48
